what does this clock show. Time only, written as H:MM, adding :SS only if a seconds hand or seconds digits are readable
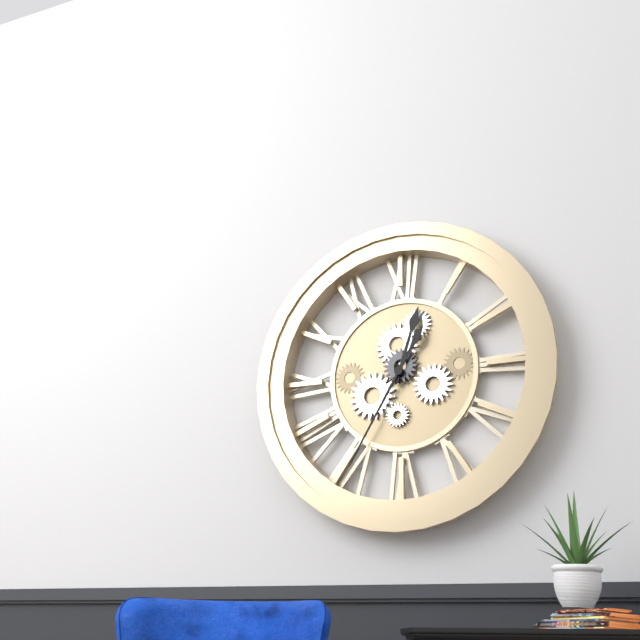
12:35
